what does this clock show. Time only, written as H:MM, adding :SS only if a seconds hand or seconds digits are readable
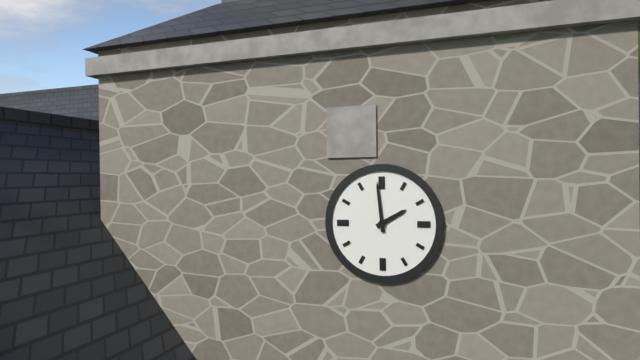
1:59
